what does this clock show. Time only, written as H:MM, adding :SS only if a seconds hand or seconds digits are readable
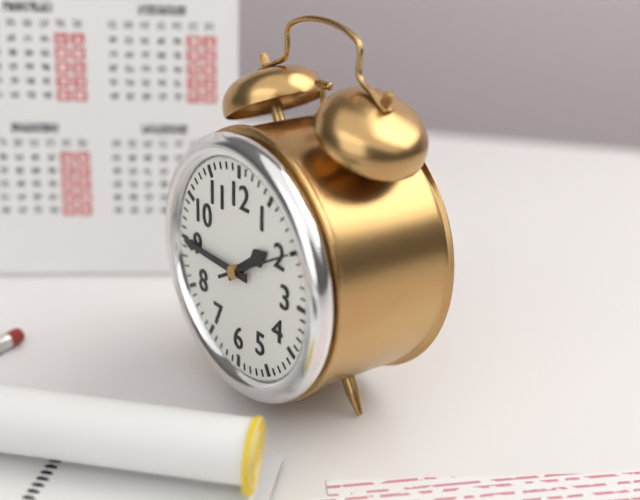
1:45:10
